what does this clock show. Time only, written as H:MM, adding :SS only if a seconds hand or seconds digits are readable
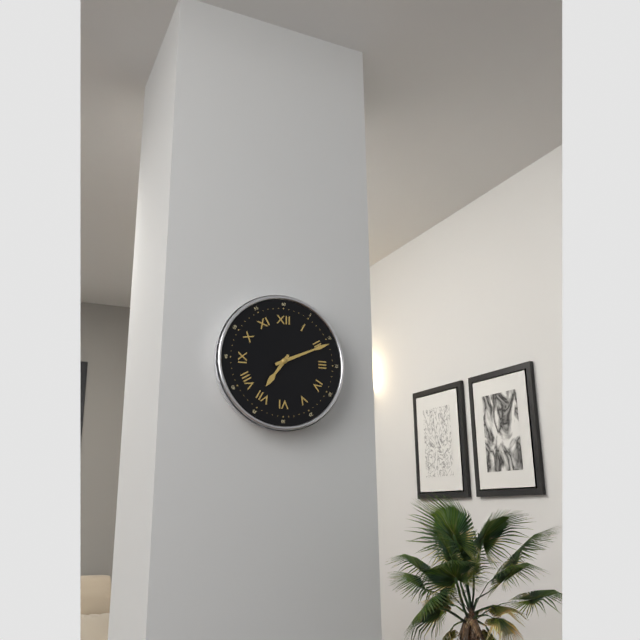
7:11
